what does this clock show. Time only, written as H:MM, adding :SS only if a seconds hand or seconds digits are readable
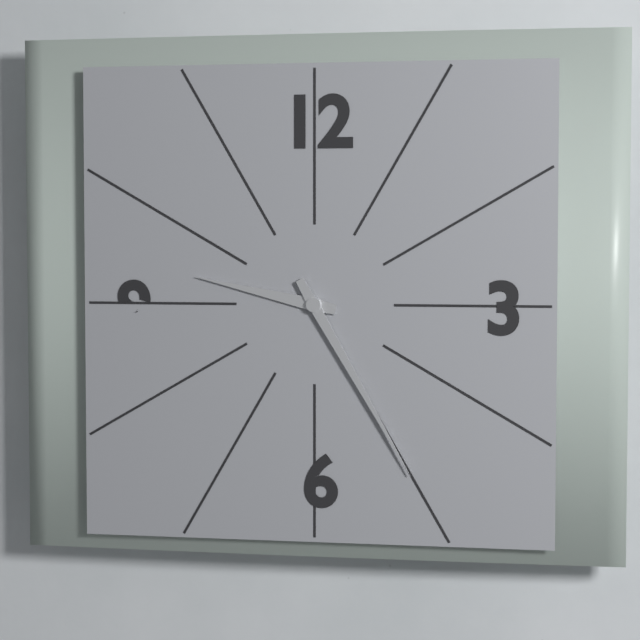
9:25
